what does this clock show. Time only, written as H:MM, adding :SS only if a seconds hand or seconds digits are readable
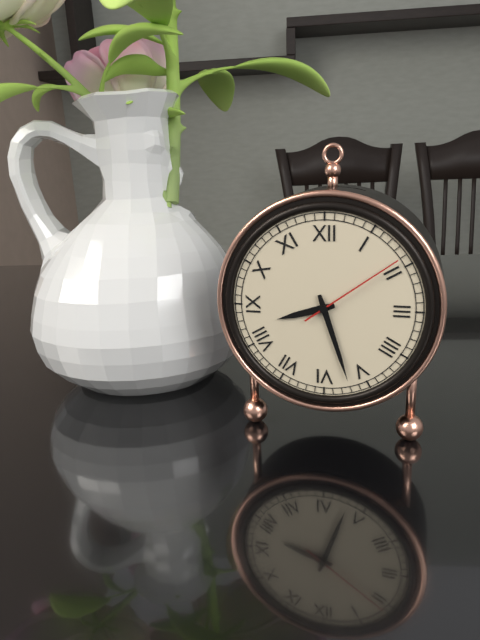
8:27:09
